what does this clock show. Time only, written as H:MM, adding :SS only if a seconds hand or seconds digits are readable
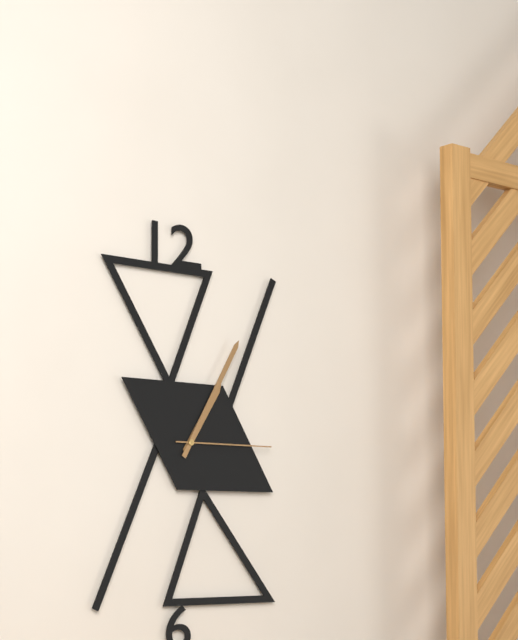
1:05:15
